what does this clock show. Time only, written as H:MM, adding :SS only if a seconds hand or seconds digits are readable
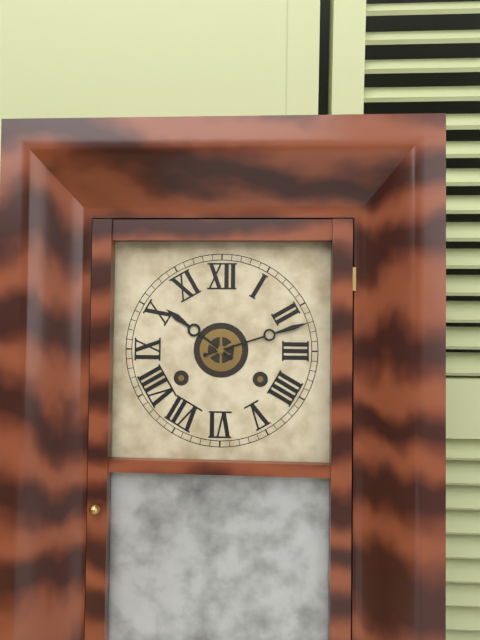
10:12
